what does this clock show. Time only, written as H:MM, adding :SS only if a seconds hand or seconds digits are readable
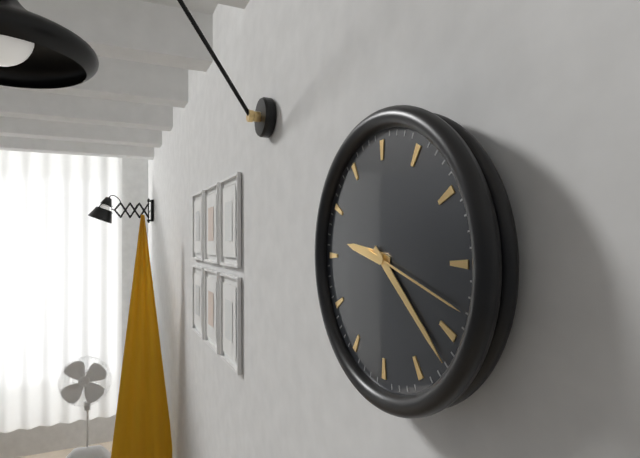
9:22:18
